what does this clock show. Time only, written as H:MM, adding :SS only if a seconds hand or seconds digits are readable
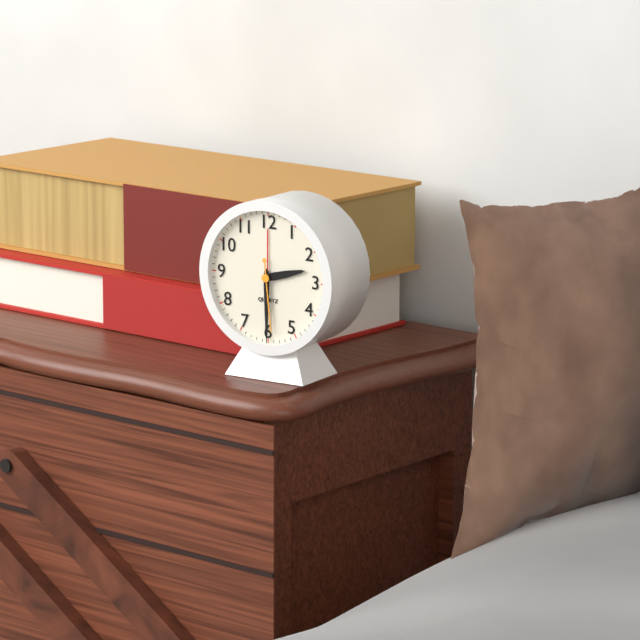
2:30:29
